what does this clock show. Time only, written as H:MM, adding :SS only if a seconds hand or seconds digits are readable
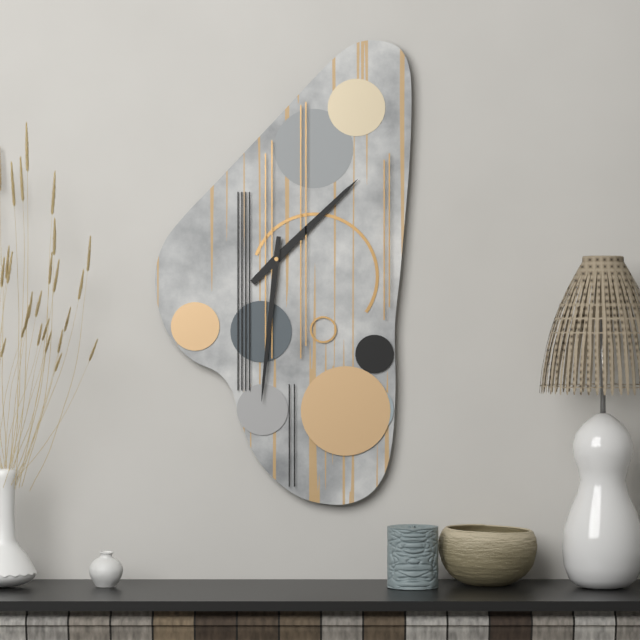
1:31
